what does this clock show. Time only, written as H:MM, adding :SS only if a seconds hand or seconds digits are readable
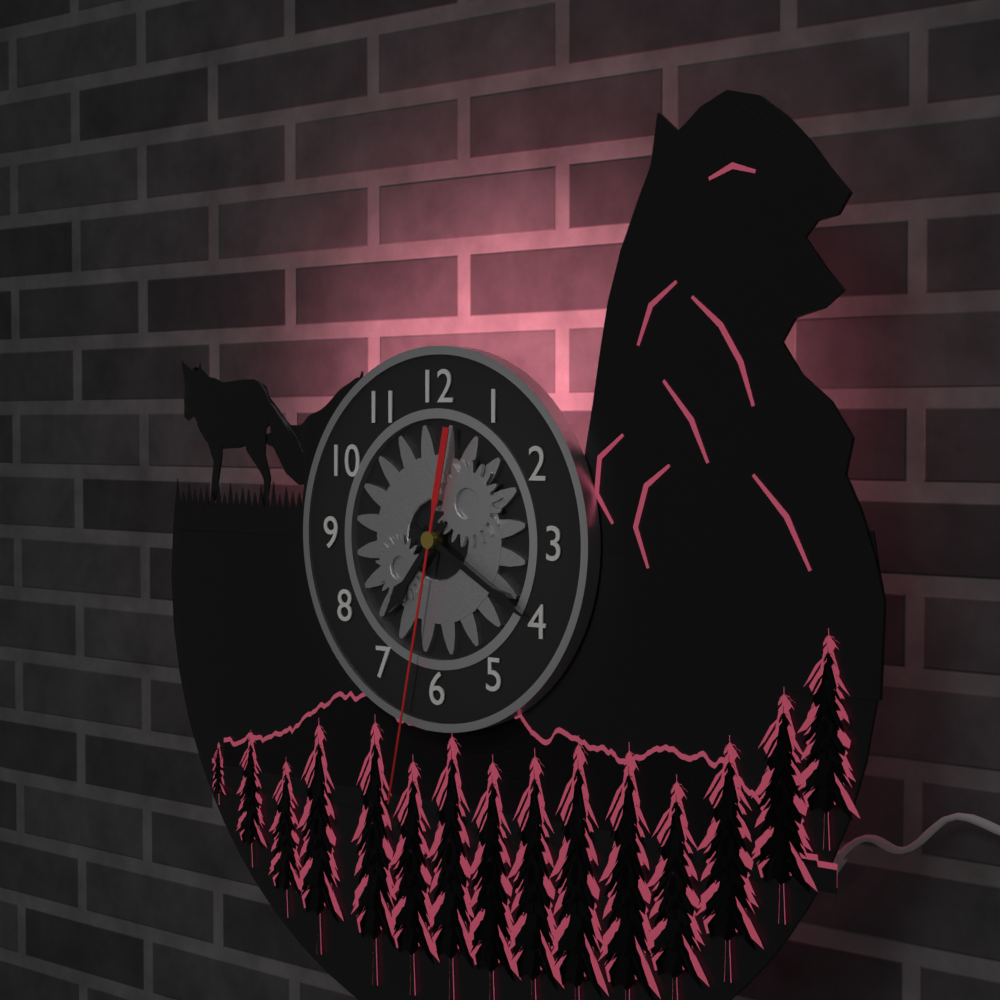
7:20:32
